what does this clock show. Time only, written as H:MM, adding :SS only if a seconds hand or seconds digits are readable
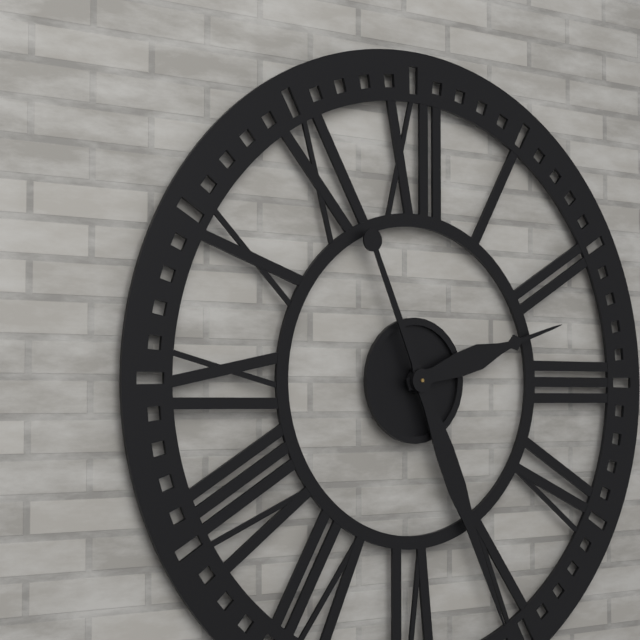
2:26
